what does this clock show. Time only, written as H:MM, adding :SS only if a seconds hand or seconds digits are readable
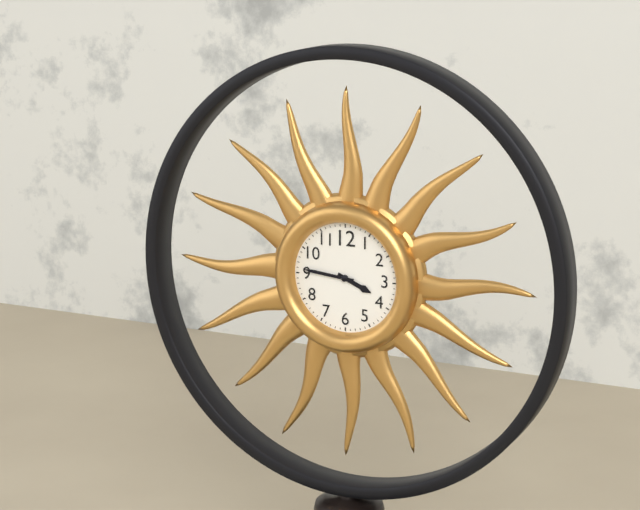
3:46
